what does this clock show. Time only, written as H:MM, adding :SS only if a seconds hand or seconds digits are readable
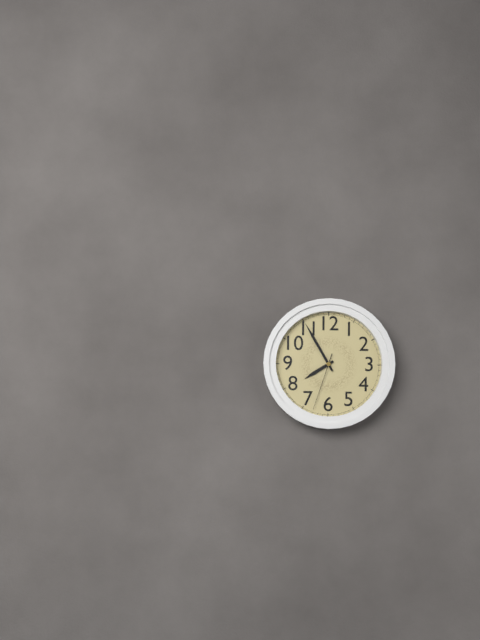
7:55:33
